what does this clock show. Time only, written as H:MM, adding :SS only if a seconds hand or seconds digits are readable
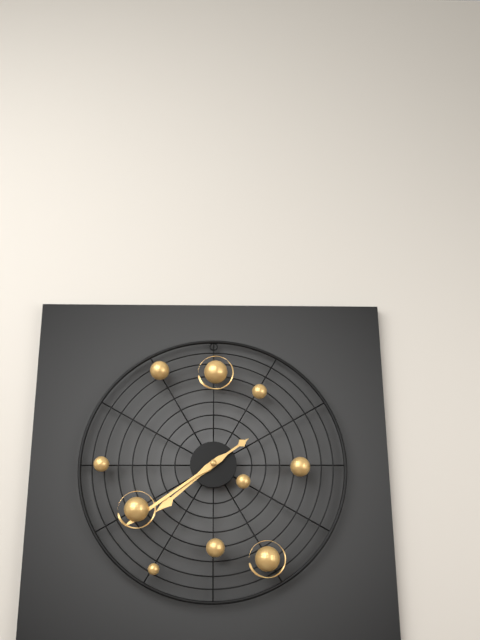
7:39
